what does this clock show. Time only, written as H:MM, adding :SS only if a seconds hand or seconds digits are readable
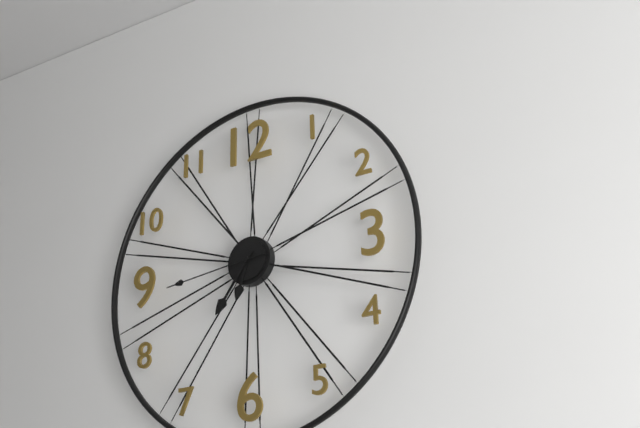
6:36:44
